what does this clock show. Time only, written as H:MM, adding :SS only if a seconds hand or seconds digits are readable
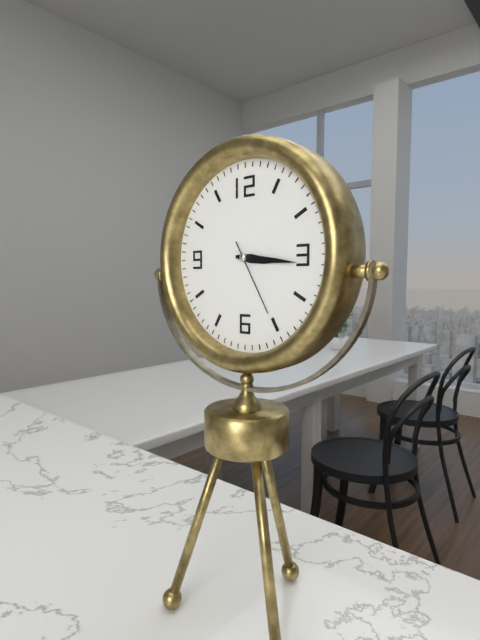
3:16:25
